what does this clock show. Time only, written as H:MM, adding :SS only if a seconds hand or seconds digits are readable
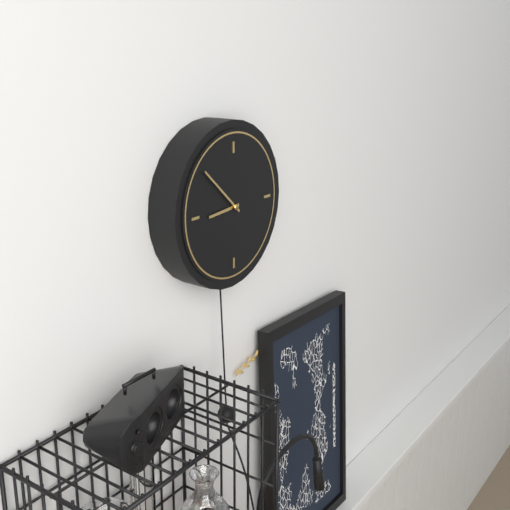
8:52
